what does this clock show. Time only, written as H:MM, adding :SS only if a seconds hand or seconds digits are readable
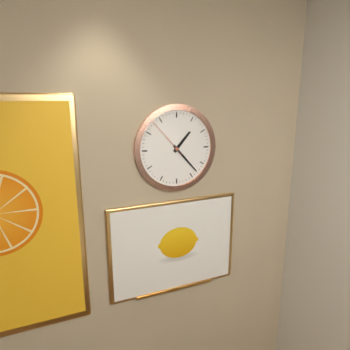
1:23
